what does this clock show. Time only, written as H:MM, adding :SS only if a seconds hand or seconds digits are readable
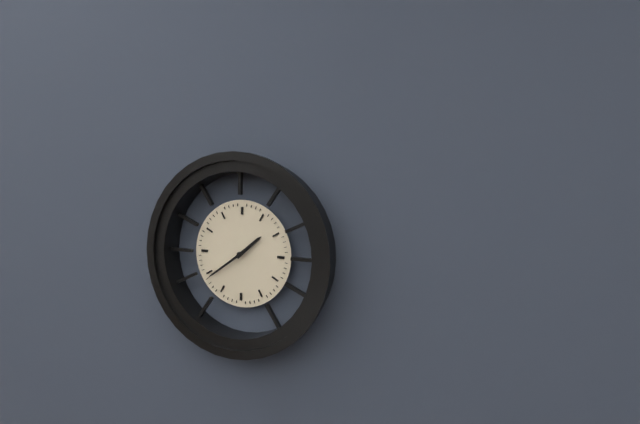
1:39
